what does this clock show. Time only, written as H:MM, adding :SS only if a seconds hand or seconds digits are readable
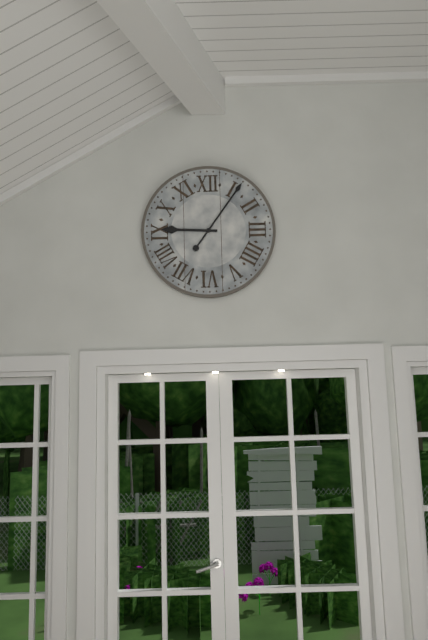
9:06
